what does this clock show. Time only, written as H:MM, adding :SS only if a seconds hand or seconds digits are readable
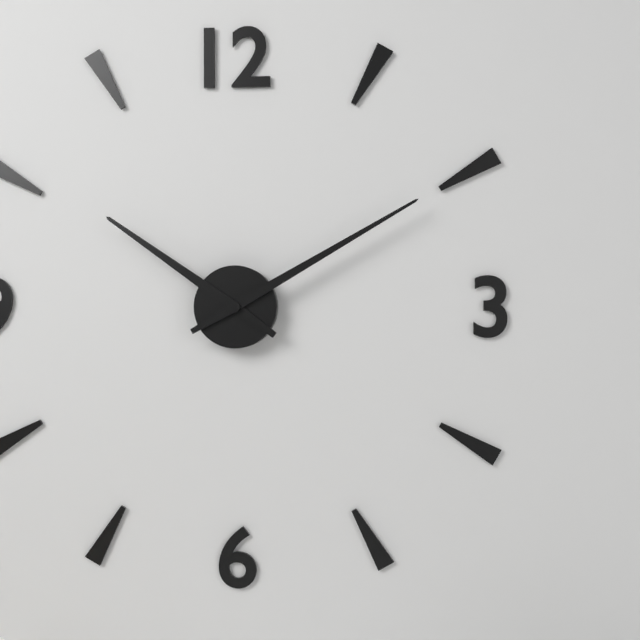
10:10
